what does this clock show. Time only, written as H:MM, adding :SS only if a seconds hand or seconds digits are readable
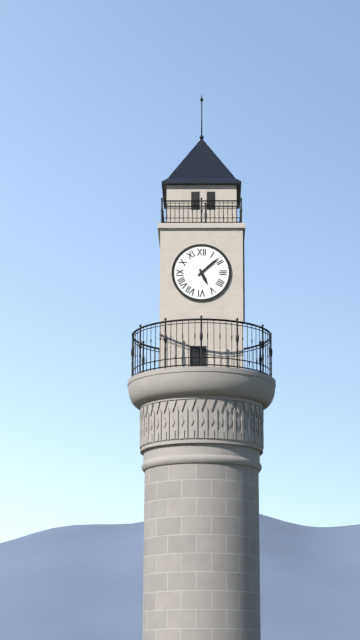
5:08
